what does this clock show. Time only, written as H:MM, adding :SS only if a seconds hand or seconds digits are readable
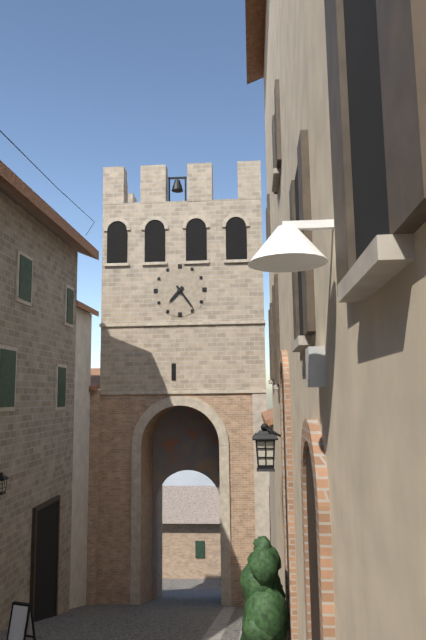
7:24
